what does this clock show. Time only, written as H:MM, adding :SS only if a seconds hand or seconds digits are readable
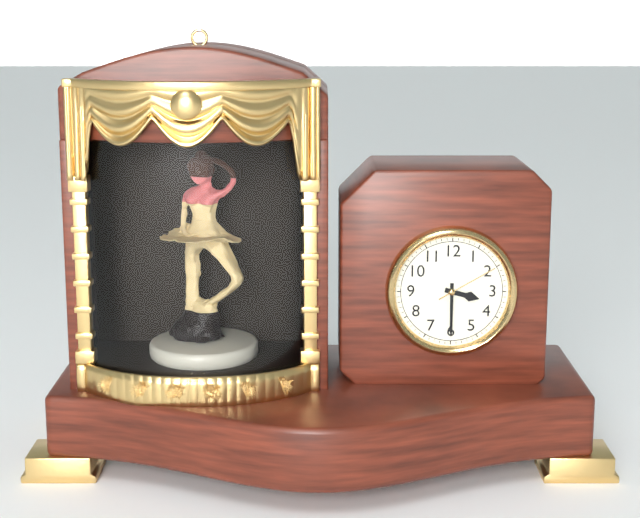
3:30:10
